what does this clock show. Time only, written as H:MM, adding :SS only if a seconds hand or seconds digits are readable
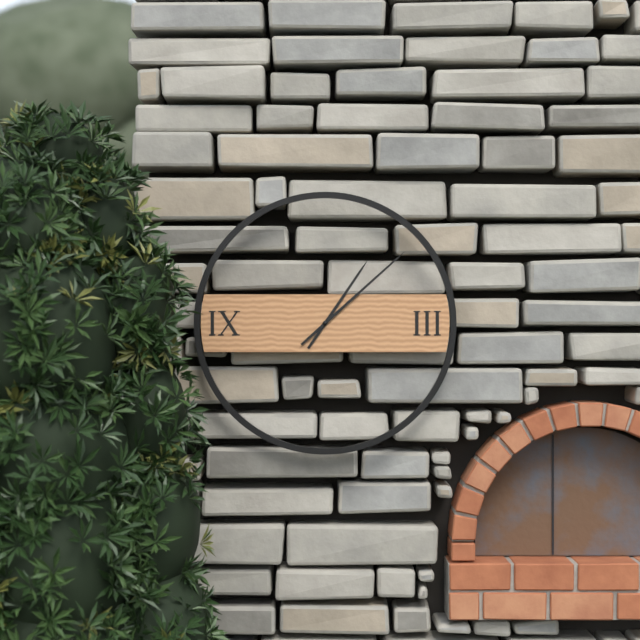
1:08
